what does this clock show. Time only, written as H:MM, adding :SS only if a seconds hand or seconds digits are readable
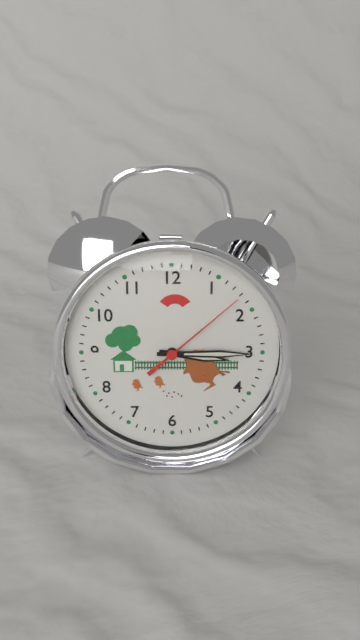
3:15:08
